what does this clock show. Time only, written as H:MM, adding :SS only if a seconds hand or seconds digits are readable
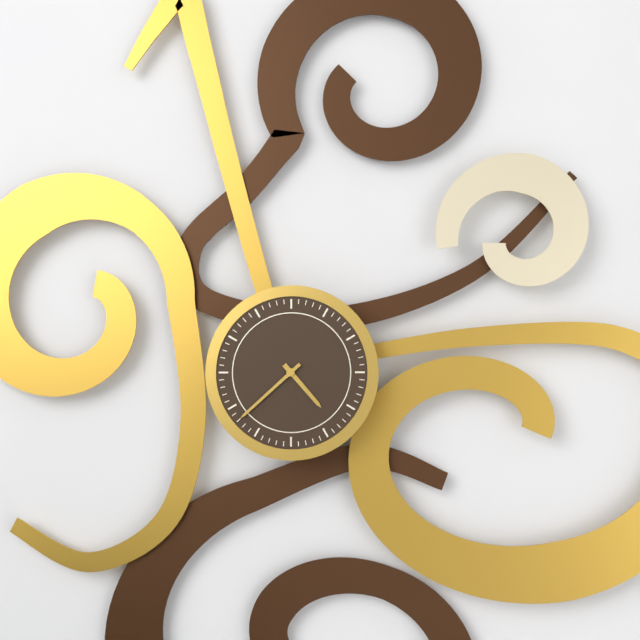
4:38
